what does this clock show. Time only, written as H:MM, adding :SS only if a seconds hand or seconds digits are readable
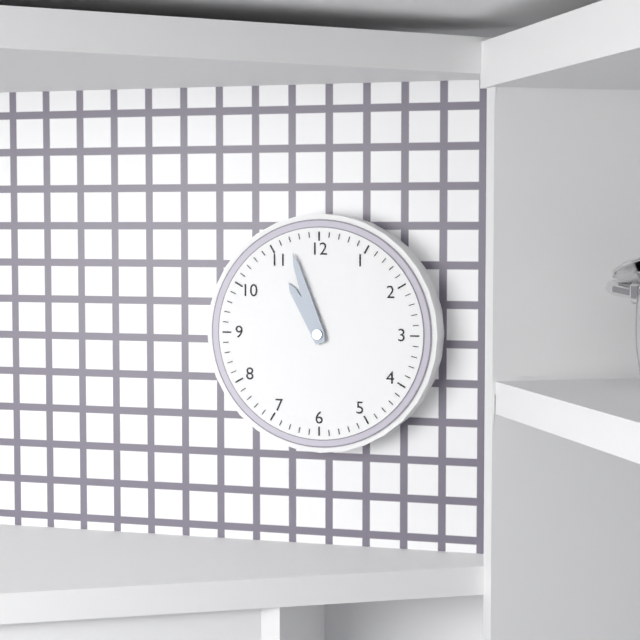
10:57
